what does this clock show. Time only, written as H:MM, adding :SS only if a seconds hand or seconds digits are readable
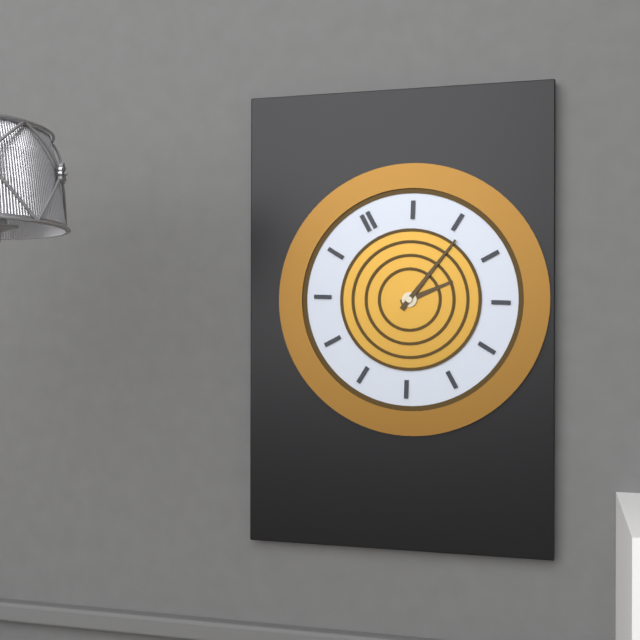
3:11
